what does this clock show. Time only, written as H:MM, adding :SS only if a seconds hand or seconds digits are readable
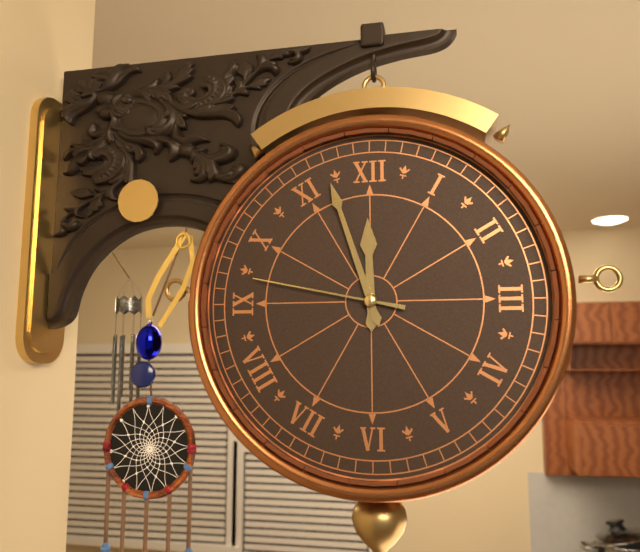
11:57:47
